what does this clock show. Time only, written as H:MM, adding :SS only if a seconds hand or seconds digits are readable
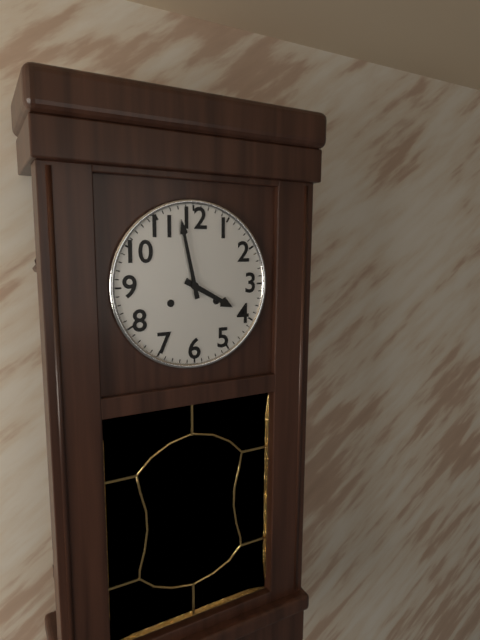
3:58
